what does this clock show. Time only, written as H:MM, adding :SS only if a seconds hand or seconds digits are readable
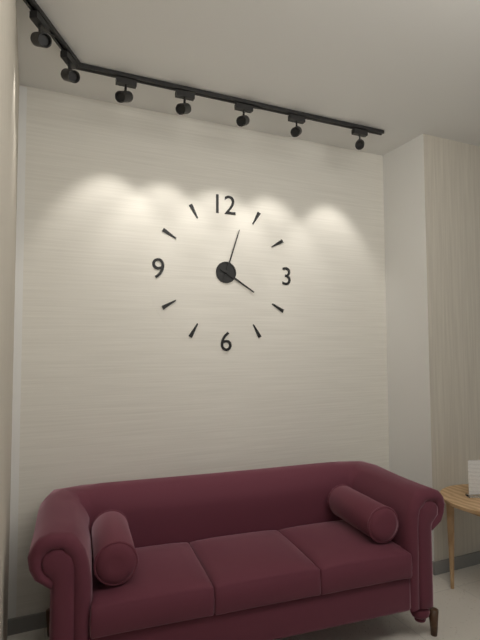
4:03
